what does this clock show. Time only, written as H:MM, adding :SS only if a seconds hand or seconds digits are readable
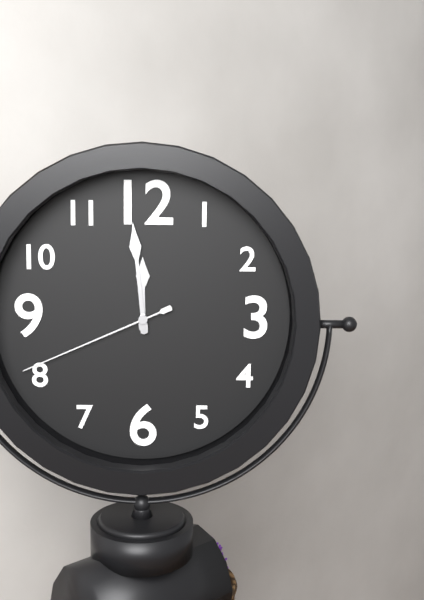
11:59:41
